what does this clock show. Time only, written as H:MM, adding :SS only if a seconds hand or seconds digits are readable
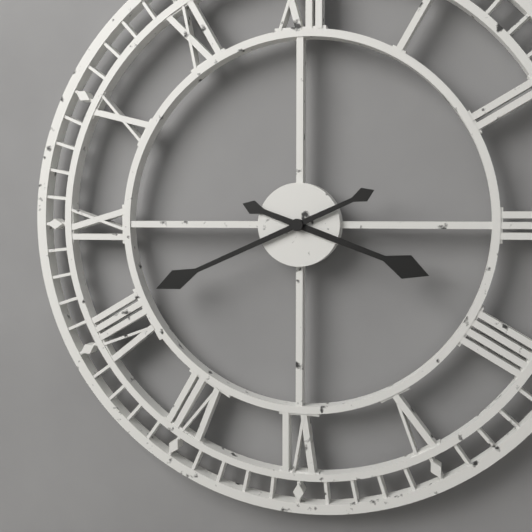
3:41
